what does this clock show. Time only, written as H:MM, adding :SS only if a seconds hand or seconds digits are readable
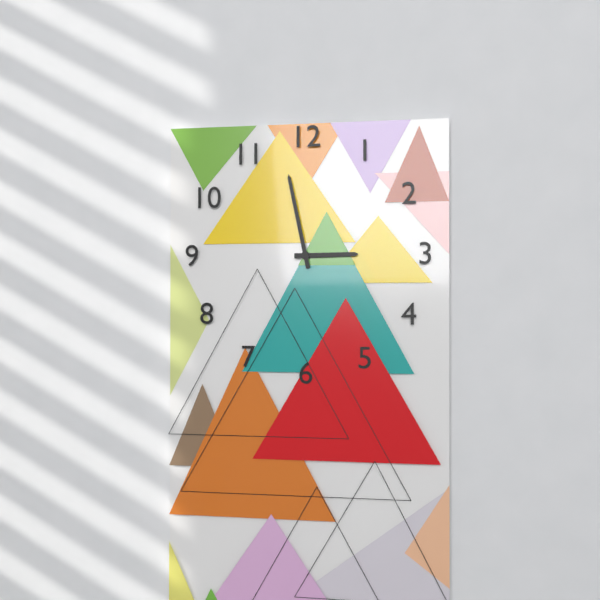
2:58
